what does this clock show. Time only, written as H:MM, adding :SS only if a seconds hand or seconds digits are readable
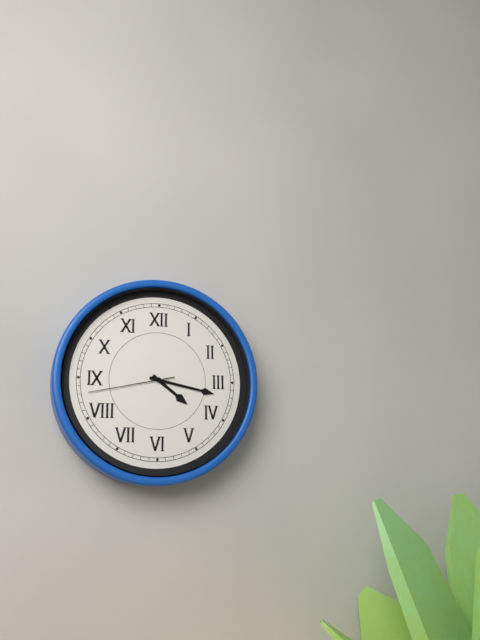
4:17:43
